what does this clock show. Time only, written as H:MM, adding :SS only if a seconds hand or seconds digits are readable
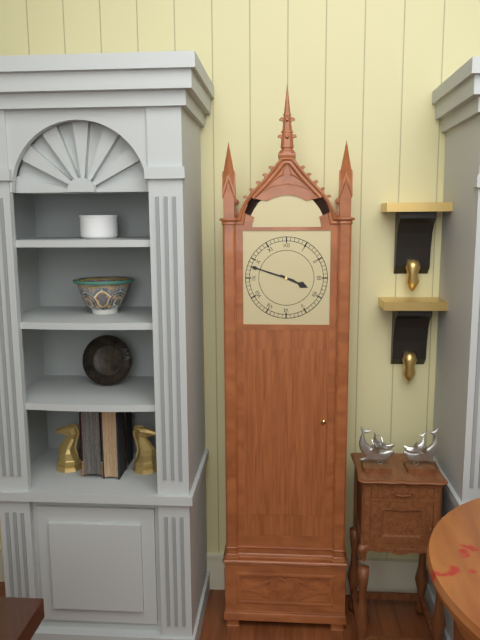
3:48
